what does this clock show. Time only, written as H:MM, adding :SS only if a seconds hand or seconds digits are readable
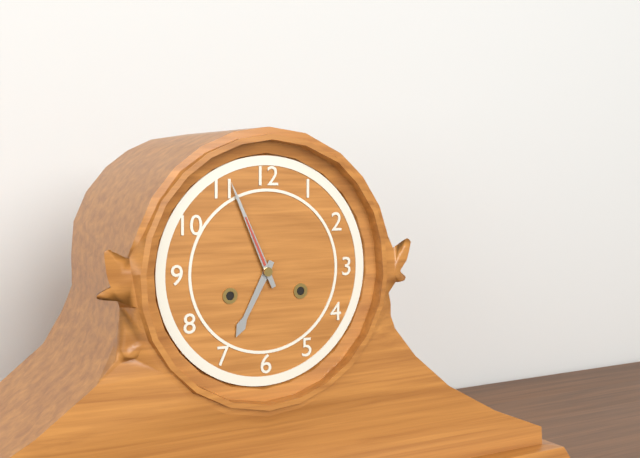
6:56
